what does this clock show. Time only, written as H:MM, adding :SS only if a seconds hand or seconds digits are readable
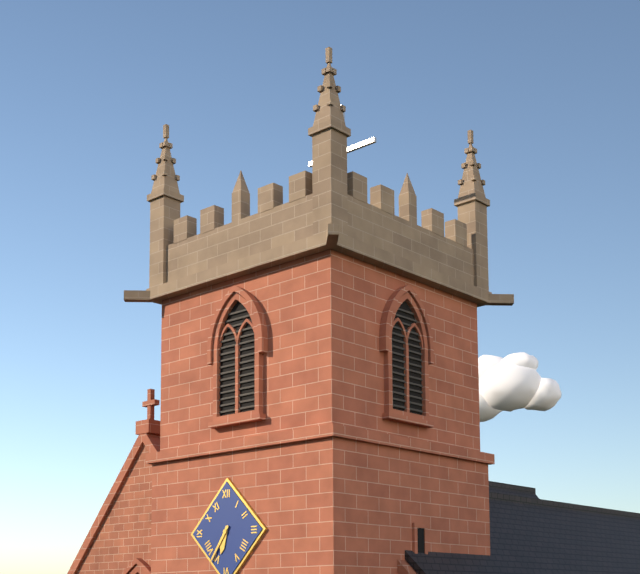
6:36
